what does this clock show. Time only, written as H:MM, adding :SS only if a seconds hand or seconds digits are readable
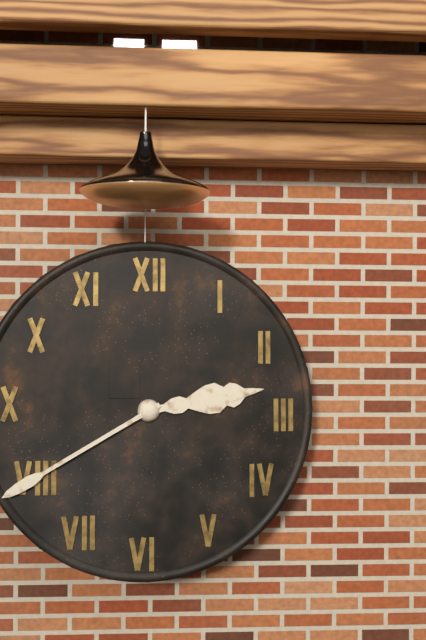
2:40
